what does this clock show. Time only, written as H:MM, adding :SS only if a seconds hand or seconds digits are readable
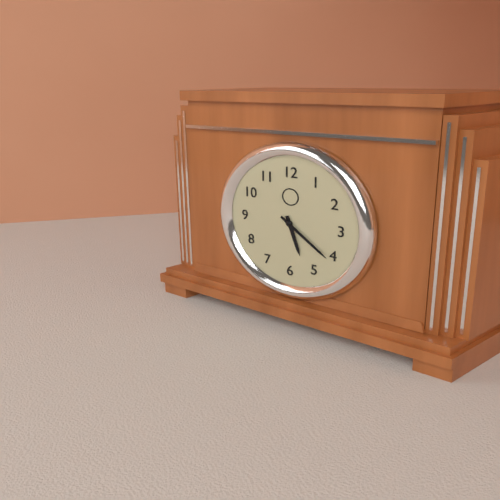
5:21
